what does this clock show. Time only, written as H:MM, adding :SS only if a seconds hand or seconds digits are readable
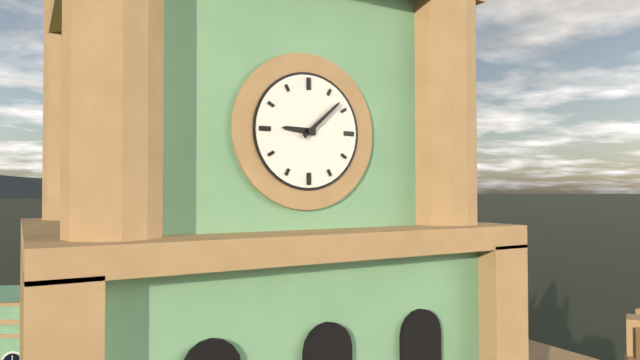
9:08
